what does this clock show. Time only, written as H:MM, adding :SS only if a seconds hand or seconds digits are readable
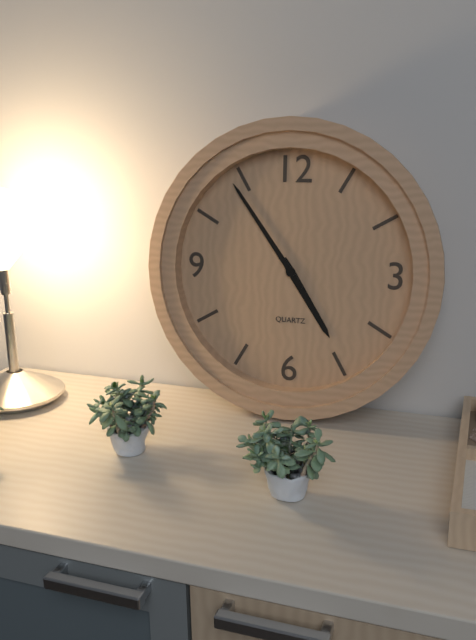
4:54
